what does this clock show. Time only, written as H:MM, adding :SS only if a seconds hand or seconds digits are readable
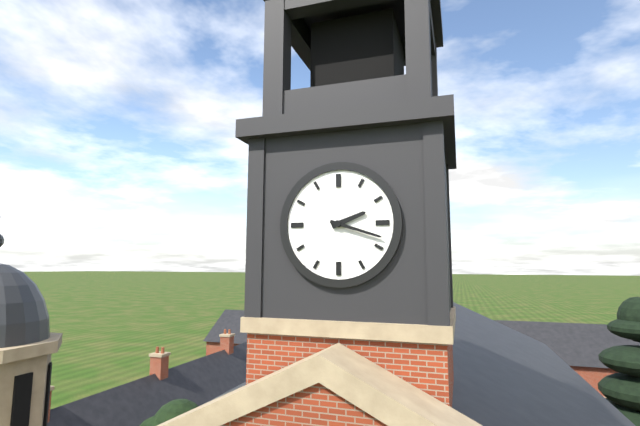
2:18
